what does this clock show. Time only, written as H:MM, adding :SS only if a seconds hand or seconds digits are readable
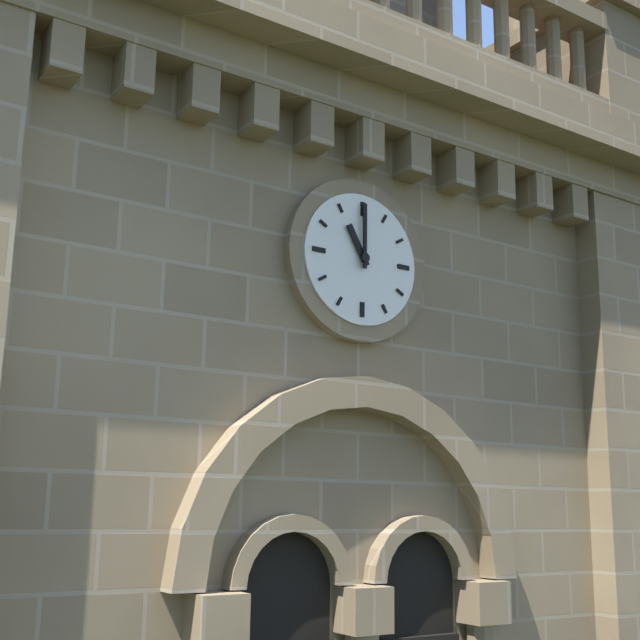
11:00
